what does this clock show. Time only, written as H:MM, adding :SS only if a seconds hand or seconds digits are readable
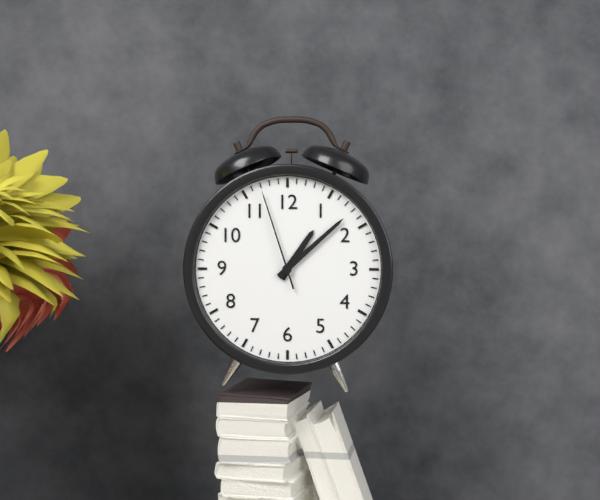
1:08:57
